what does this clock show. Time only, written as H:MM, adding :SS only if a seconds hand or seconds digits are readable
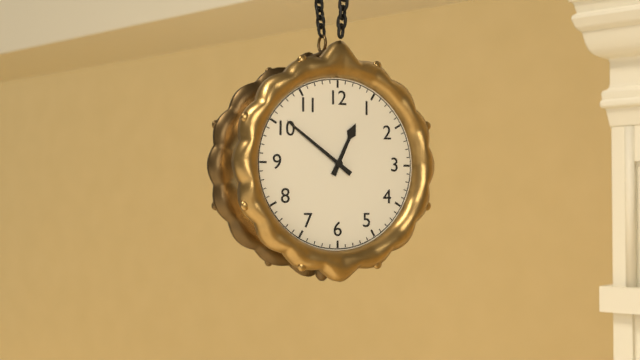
12:51
